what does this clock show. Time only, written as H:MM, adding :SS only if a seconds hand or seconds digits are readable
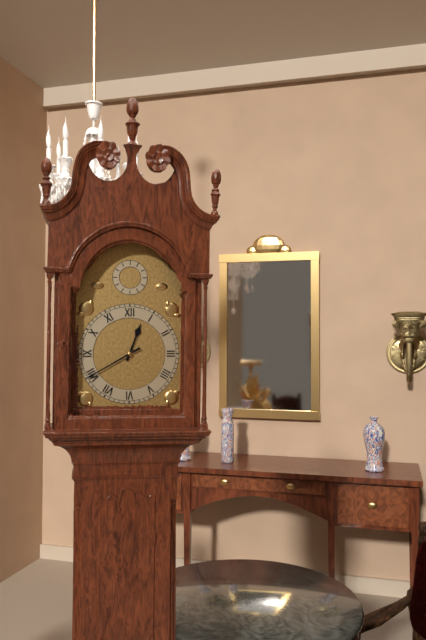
12:40
